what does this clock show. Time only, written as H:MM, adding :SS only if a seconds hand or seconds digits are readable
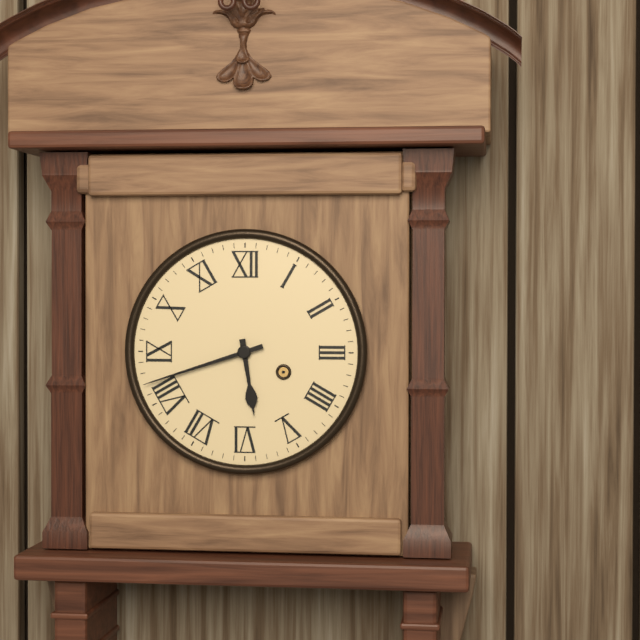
5:42
